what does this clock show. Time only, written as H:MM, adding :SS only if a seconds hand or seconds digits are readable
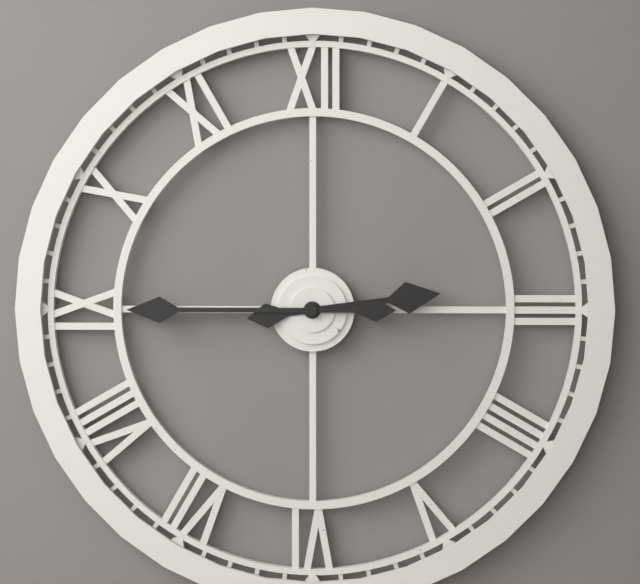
2:45
